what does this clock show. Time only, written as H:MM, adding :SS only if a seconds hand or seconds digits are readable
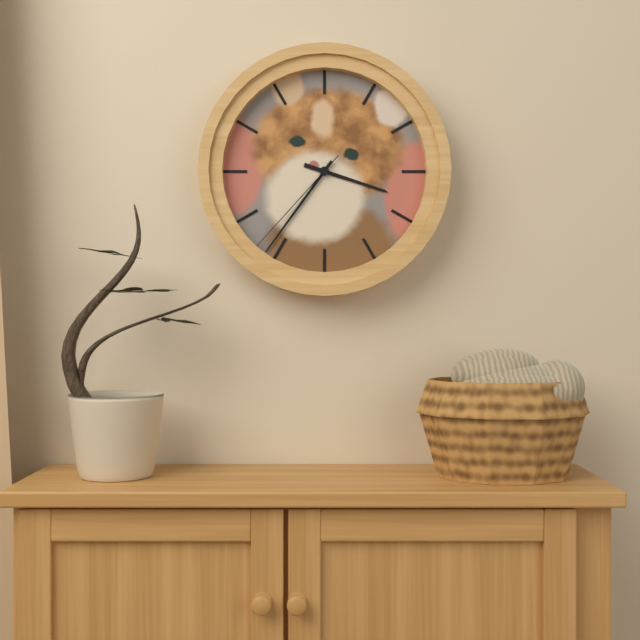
3:36:37
